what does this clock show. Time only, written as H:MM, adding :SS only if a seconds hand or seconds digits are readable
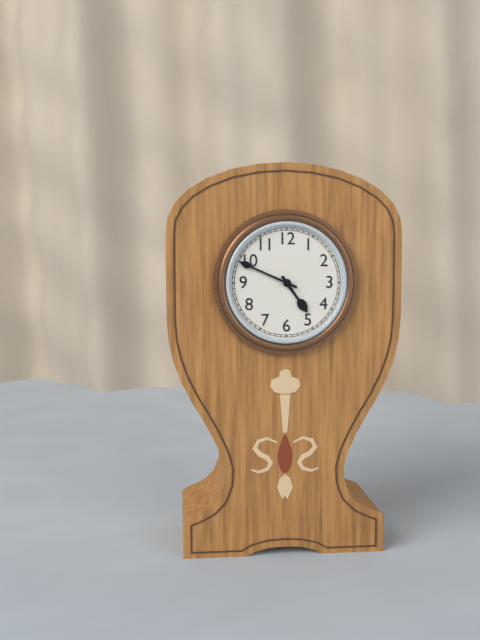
4:49
